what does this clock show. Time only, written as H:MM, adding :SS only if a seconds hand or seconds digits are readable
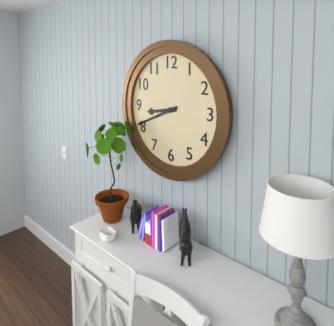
8:41
